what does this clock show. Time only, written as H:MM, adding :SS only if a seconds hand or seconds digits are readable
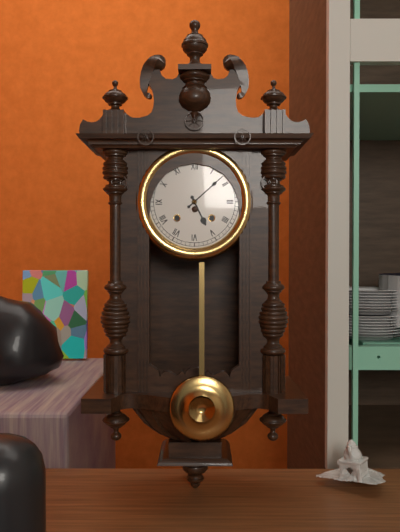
5:08
